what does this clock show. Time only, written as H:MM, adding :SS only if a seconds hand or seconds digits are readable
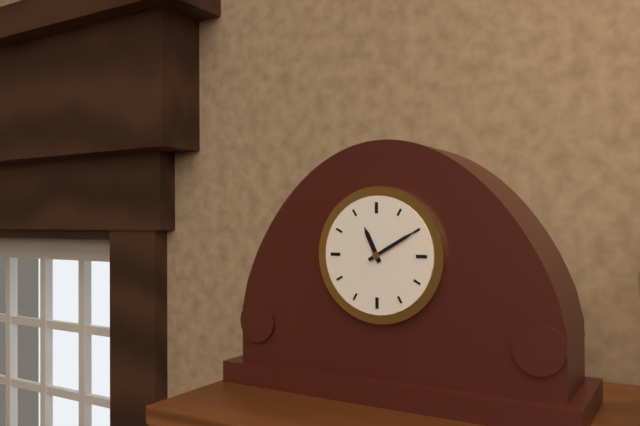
11:10
